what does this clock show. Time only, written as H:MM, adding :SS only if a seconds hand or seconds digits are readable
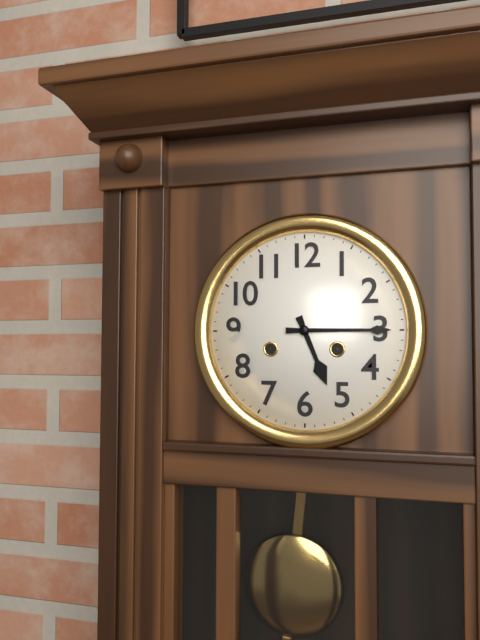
5:15
